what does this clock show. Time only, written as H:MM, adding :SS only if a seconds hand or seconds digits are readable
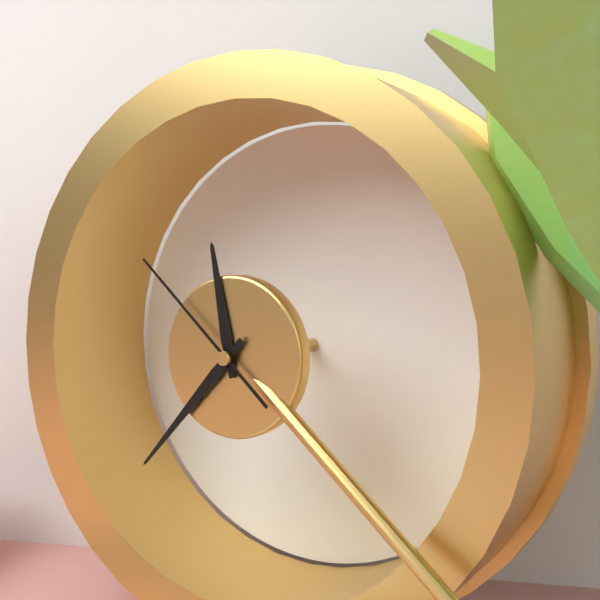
11:37:52
